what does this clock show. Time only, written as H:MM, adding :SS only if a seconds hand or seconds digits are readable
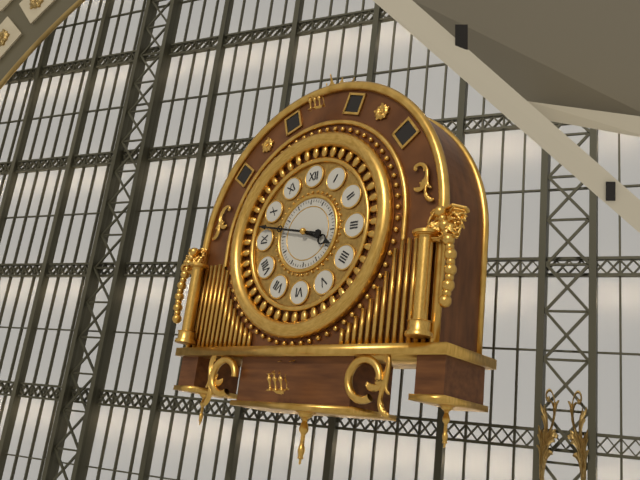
3:47
